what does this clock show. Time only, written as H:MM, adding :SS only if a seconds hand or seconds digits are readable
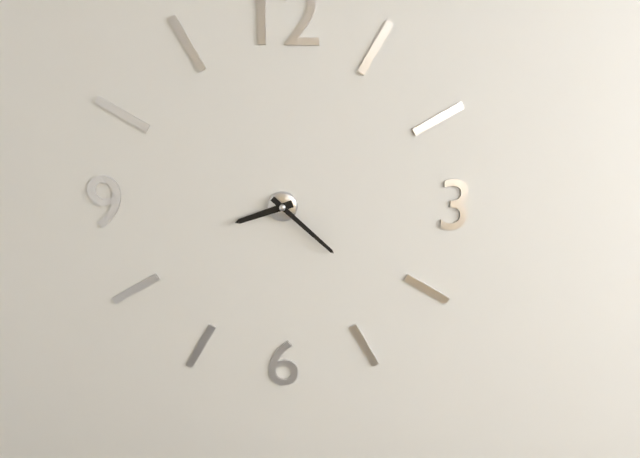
8:22
